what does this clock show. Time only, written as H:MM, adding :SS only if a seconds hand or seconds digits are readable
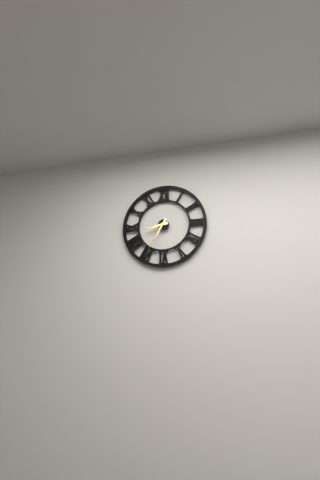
8:35
